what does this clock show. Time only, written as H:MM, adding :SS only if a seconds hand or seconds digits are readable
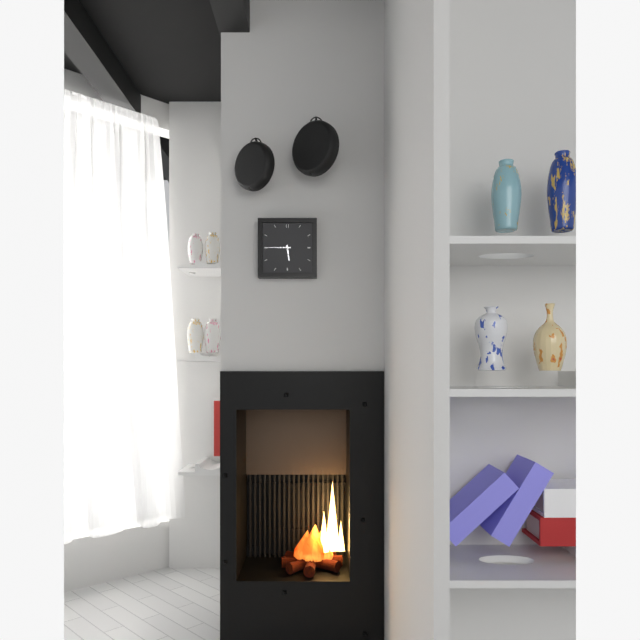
5:45
